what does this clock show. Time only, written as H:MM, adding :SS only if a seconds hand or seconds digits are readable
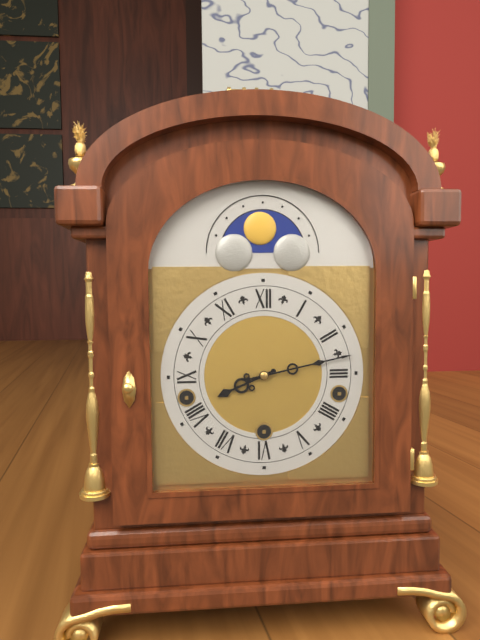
8:13
